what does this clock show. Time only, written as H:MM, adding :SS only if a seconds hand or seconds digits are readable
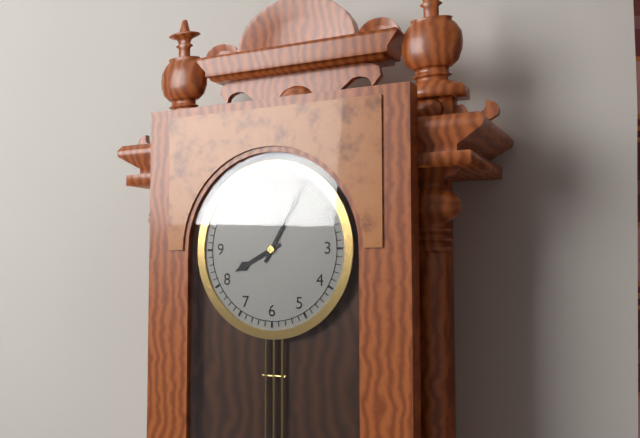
8:05
